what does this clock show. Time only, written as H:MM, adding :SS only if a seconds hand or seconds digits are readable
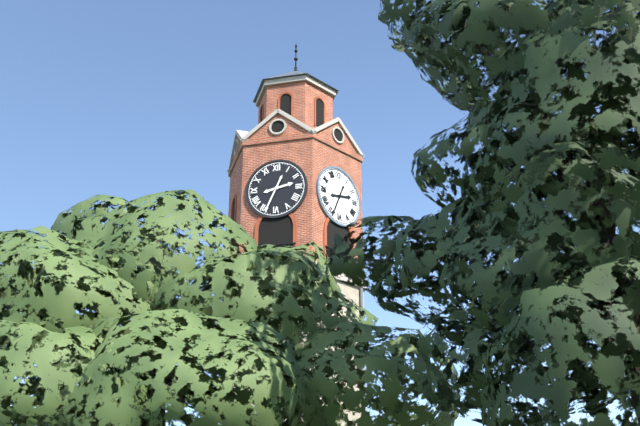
2:34
